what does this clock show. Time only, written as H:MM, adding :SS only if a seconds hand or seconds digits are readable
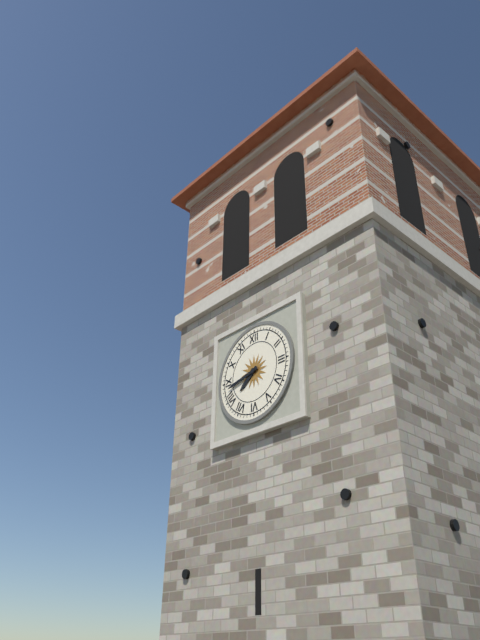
7:43
